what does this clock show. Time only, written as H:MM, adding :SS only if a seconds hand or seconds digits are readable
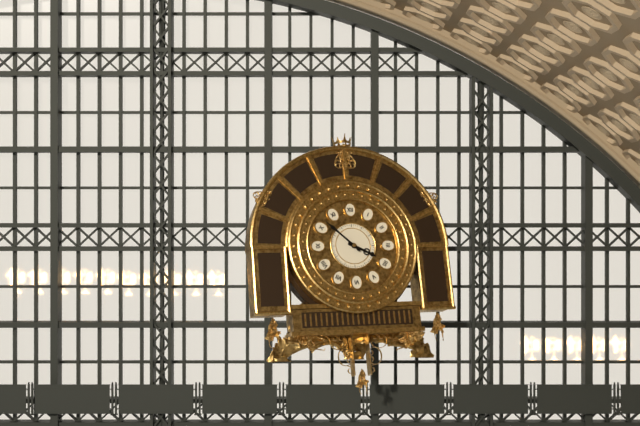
3:52
